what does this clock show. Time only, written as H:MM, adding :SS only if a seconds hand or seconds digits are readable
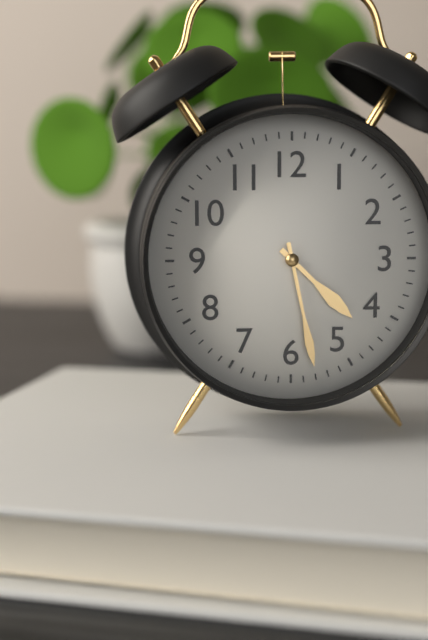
4:28
